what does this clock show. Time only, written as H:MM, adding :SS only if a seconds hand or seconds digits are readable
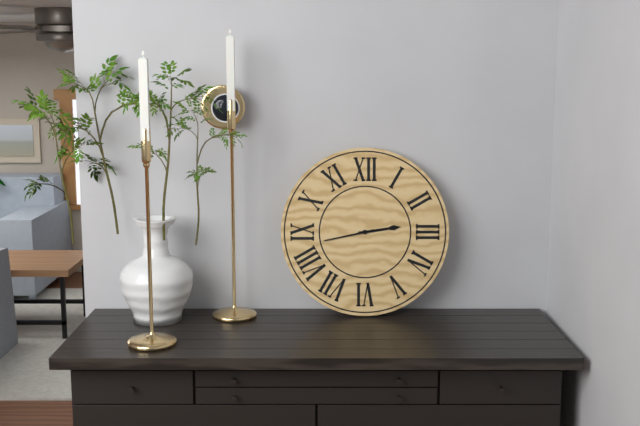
2:43
